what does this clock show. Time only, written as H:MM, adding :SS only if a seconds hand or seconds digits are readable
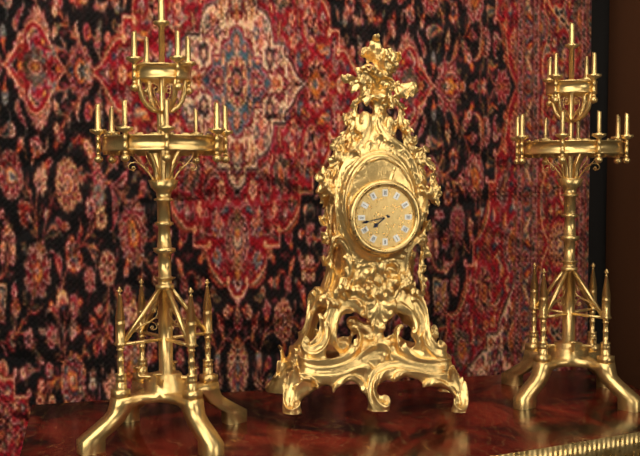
7:43
